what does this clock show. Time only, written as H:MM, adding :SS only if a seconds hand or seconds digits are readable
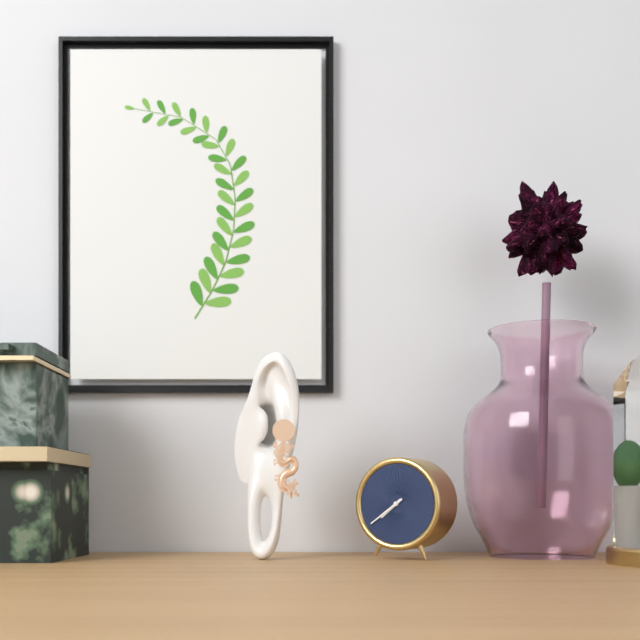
7:39
